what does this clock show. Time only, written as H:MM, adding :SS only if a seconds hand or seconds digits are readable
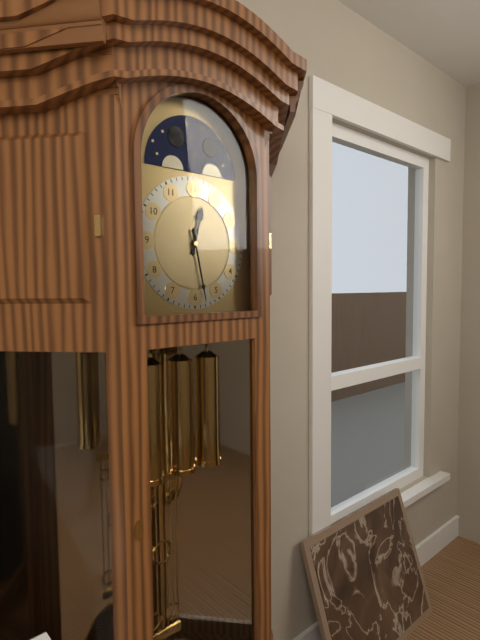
12:28
